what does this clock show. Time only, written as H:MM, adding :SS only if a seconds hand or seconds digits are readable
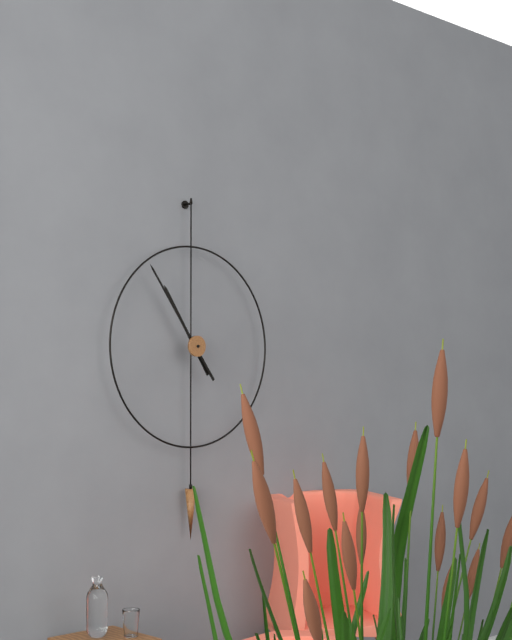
10:54
